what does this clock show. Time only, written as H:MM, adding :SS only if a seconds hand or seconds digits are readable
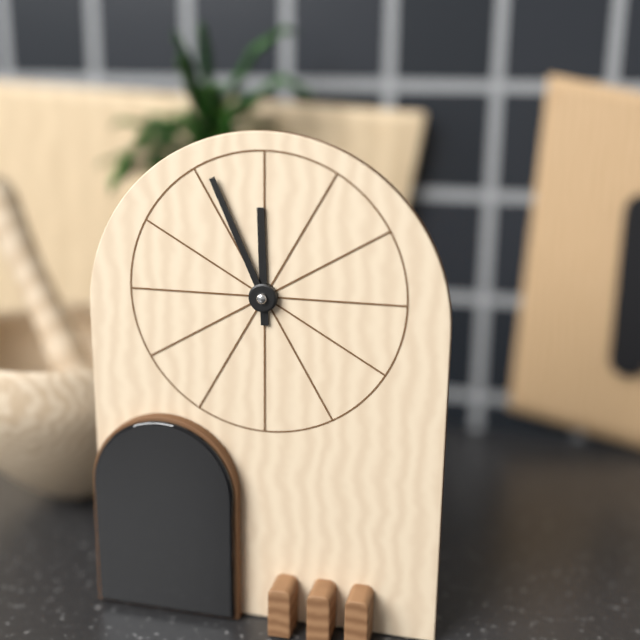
11:56
